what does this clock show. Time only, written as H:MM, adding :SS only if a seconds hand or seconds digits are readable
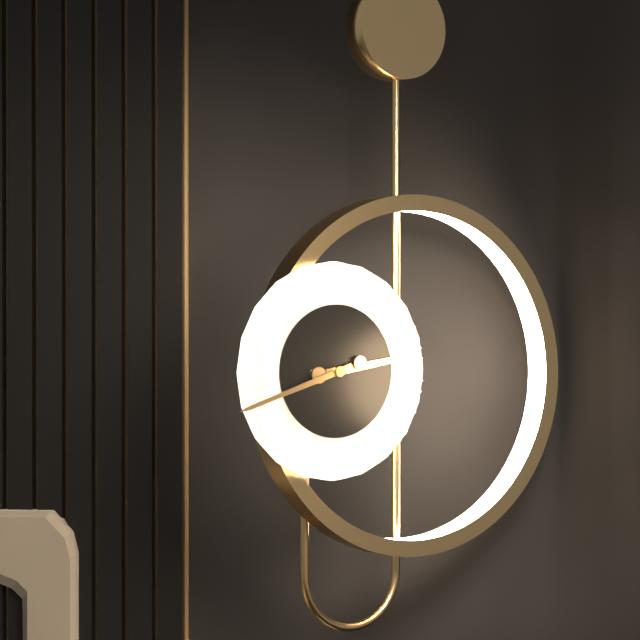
2:42
